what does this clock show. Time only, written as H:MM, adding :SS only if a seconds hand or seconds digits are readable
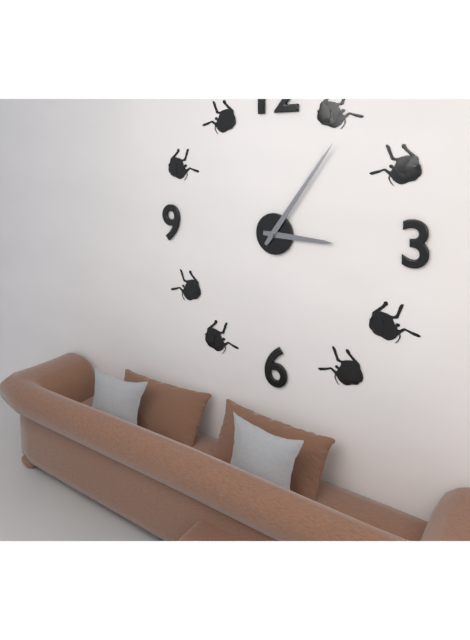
3:06
